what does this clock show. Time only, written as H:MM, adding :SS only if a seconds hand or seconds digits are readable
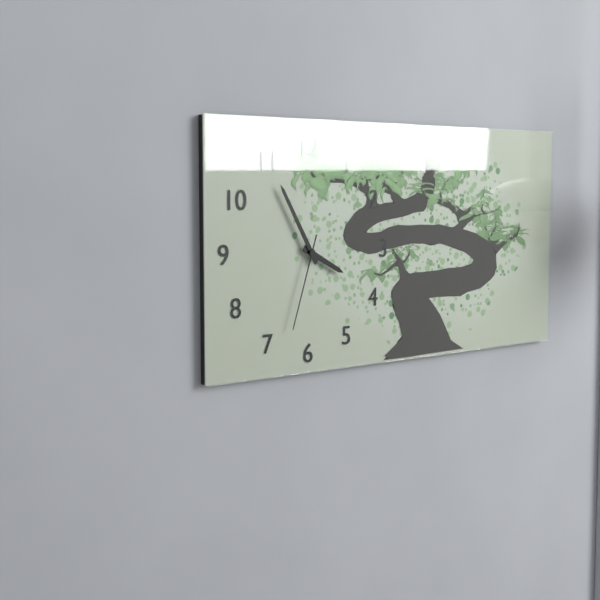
3:55:33
